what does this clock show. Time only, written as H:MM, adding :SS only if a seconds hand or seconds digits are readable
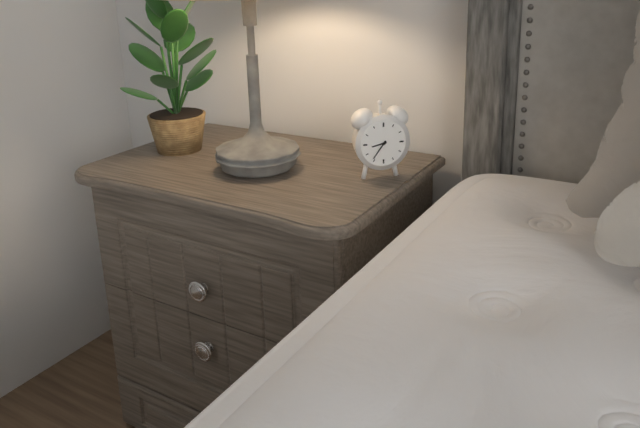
8:36
